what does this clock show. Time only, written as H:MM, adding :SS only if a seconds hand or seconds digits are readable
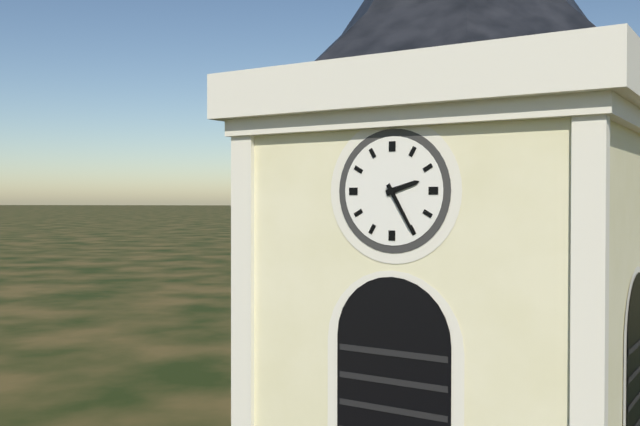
2:25
